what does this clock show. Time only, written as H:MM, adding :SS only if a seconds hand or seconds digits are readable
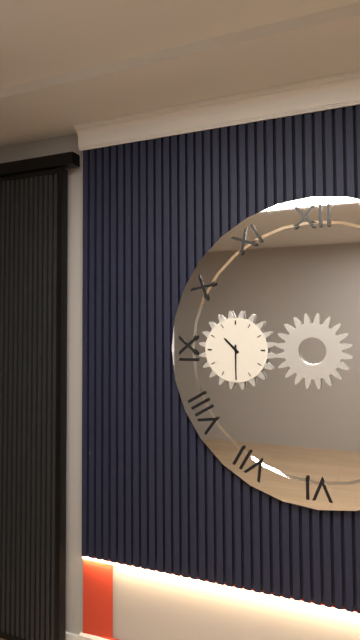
10:30
